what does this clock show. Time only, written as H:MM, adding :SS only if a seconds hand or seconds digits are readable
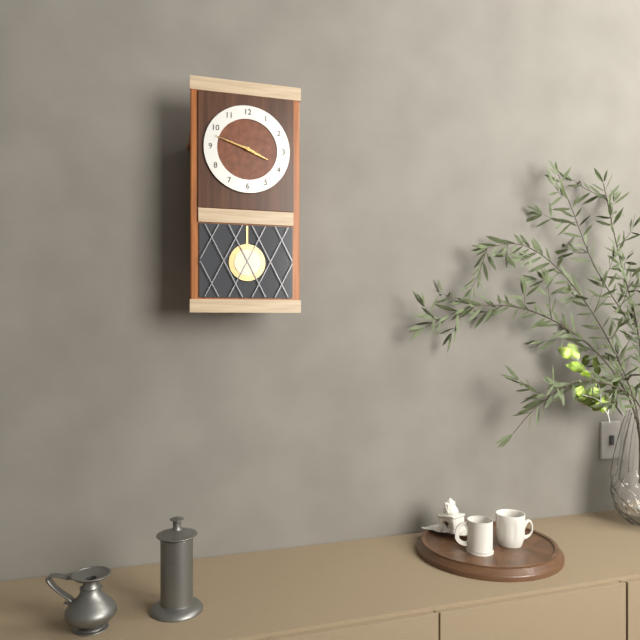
3:48
